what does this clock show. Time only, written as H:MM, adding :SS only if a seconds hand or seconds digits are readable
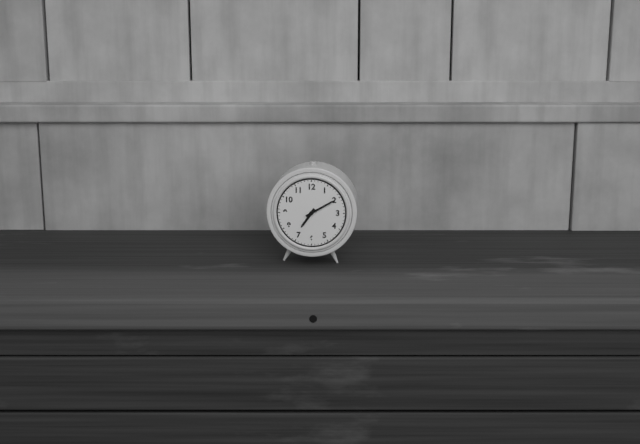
7:10
